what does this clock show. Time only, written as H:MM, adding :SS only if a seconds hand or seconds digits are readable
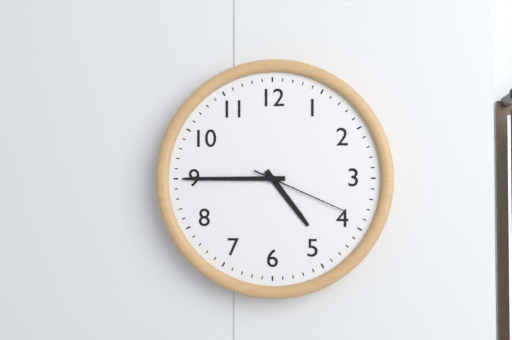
4:45:19
